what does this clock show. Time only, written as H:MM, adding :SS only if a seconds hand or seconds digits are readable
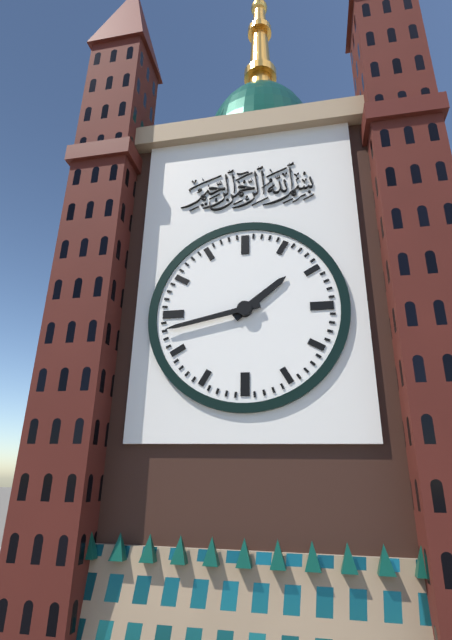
1:43
